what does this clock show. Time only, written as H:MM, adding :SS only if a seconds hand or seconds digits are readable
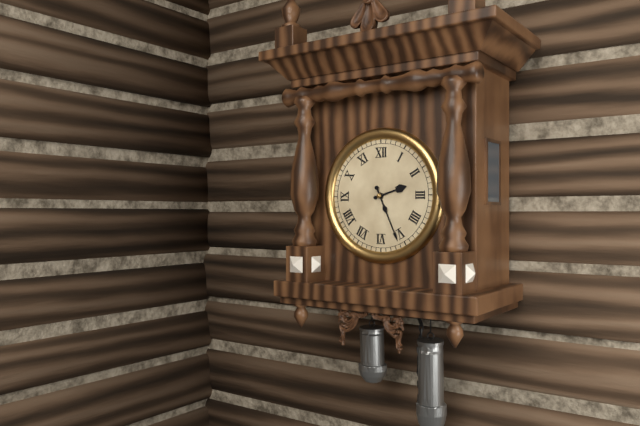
2:26
